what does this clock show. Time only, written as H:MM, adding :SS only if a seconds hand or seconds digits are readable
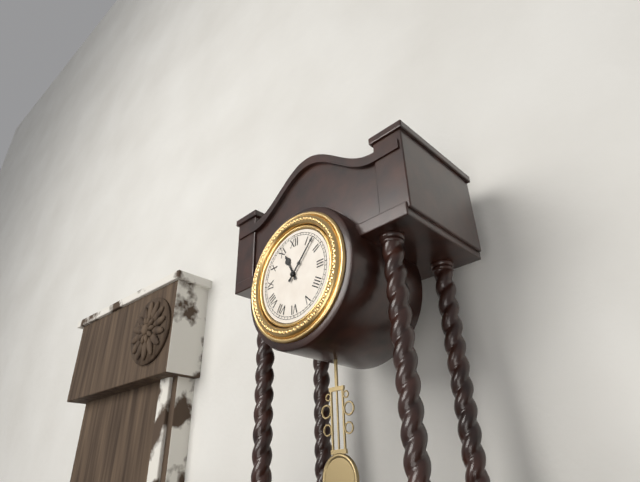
11:07
